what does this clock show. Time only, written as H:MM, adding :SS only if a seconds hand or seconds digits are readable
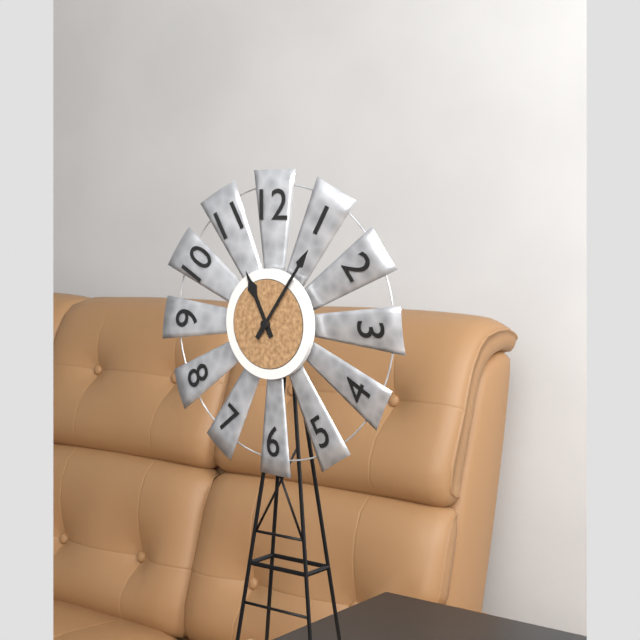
11:06
